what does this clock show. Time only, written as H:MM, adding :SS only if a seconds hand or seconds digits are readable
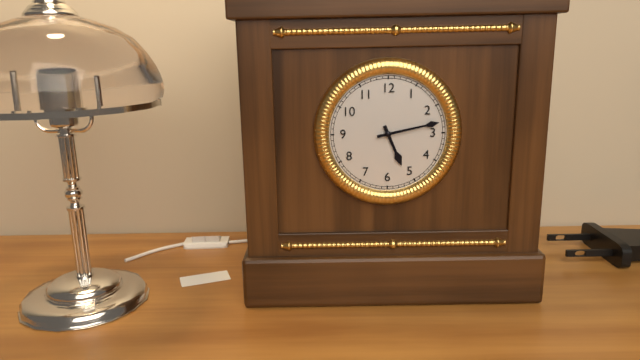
5:13
